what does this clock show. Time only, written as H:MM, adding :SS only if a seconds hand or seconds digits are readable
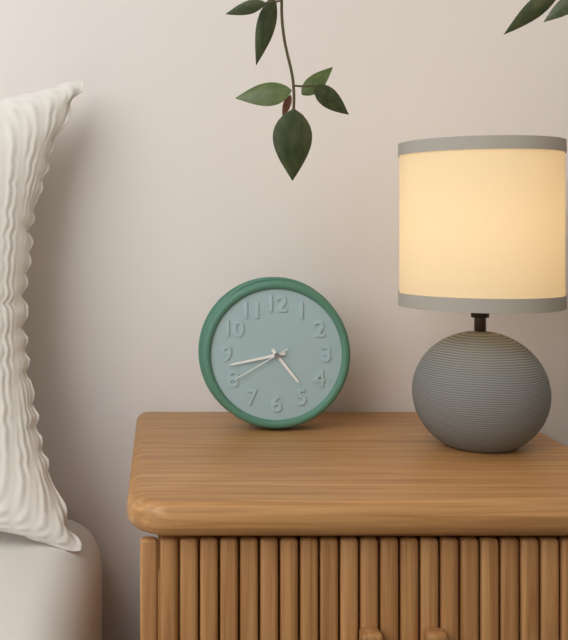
4:43:40
